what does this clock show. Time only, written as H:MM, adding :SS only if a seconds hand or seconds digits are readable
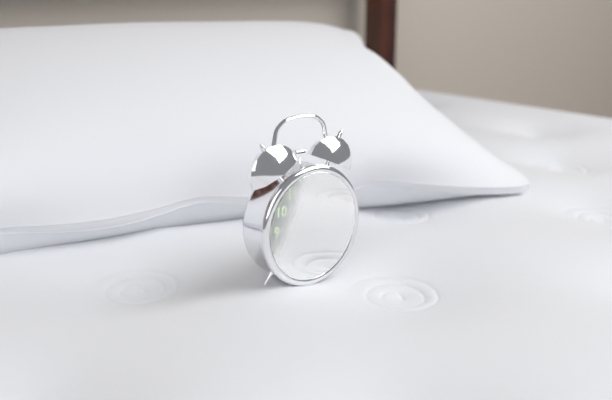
8:57
